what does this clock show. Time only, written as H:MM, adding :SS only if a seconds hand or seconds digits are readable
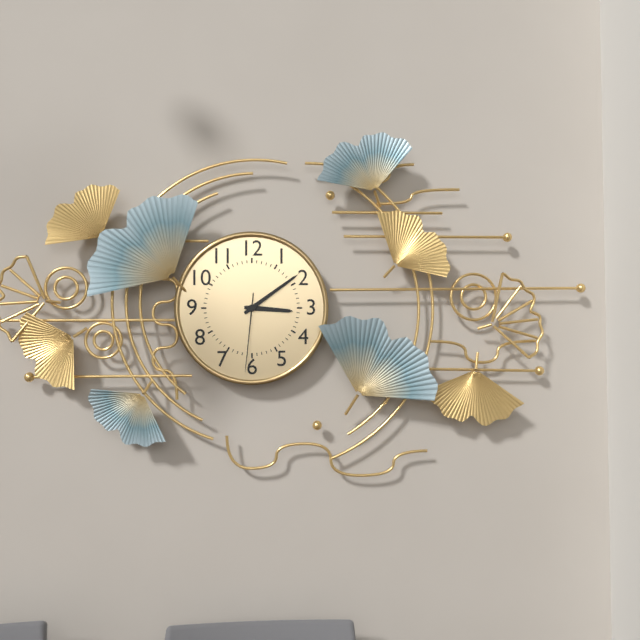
3:09:31
